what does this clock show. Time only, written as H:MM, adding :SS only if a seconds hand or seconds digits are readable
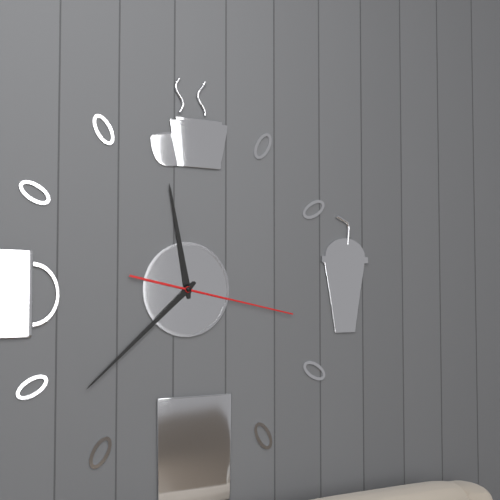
11:38:17
